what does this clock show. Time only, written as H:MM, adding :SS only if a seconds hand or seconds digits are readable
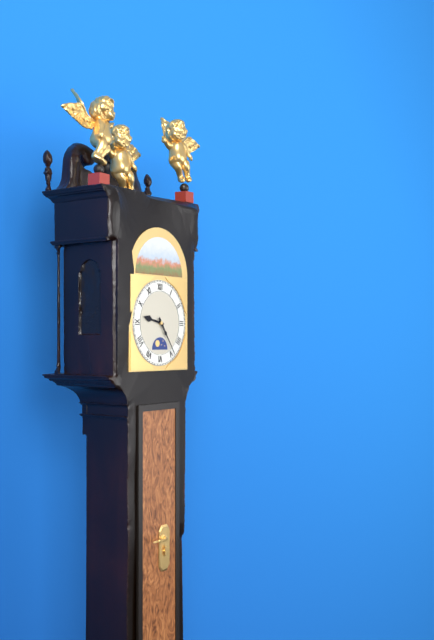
9:24
